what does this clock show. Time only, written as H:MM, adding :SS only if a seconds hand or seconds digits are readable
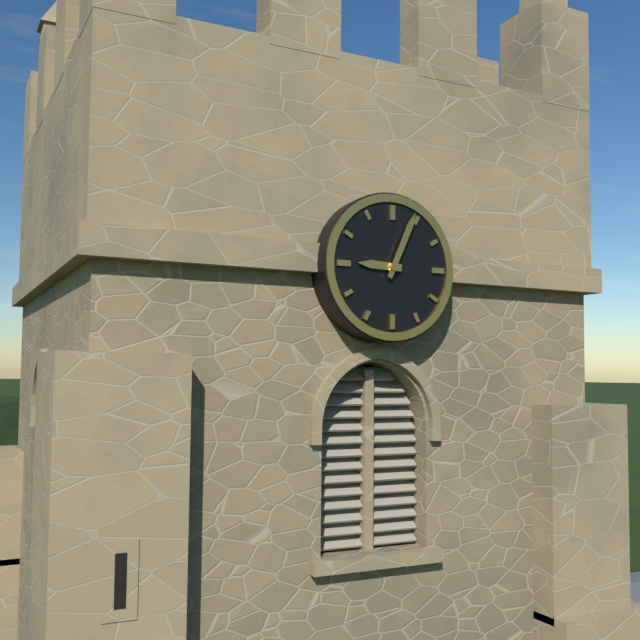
9:04
